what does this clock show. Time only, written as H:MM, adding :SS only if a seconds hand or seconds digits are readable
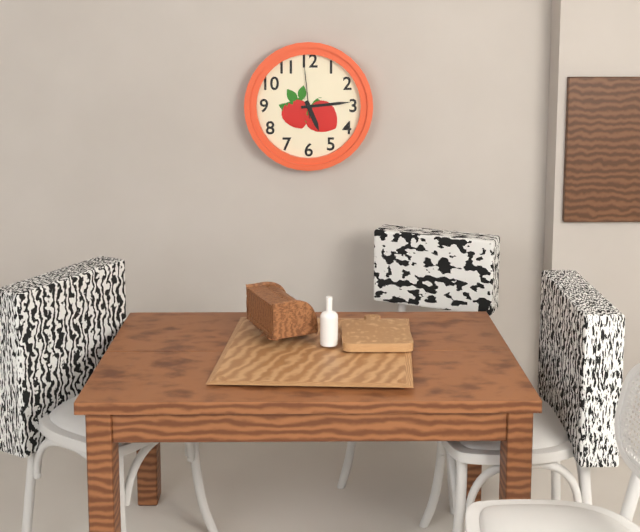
5:14:59
